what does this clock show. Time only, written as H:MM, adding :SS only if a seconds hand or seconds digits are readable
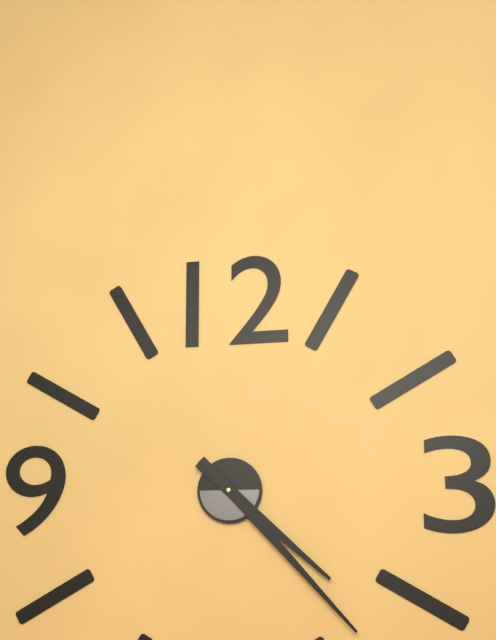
4:23
